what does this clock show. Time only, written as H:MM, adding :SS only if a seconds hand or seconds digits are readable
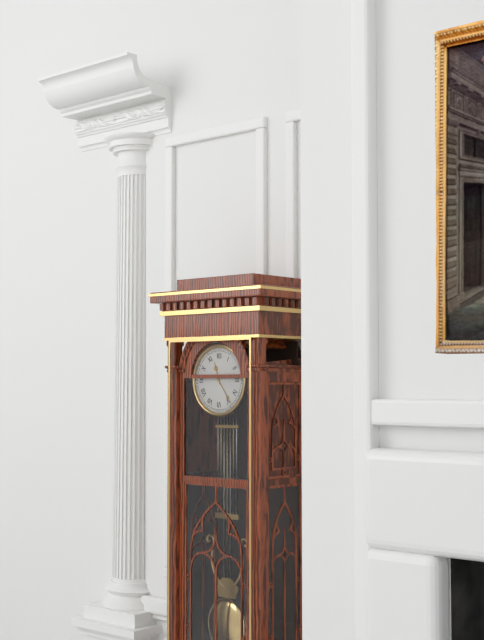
11:24
